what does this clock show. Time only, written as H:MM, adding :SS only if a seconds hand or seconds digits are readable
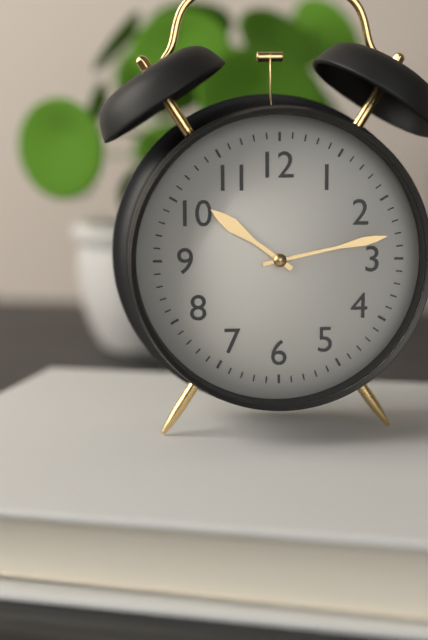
10:13
